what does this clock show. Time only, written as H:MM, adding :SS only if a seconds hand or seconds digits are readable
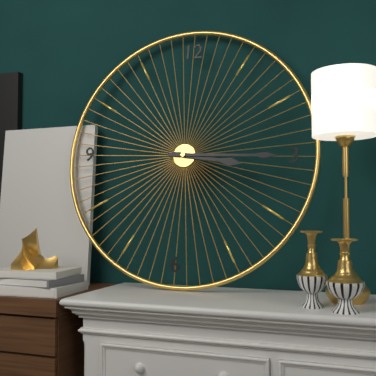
3:15
